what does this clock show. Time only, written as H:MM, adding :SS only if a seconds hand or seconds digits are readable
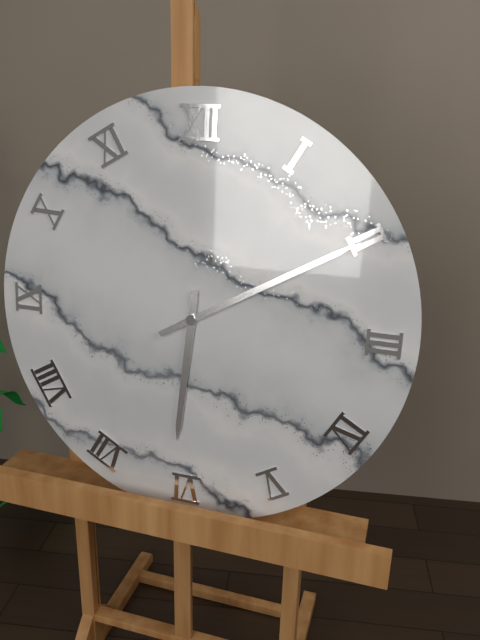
6:10
